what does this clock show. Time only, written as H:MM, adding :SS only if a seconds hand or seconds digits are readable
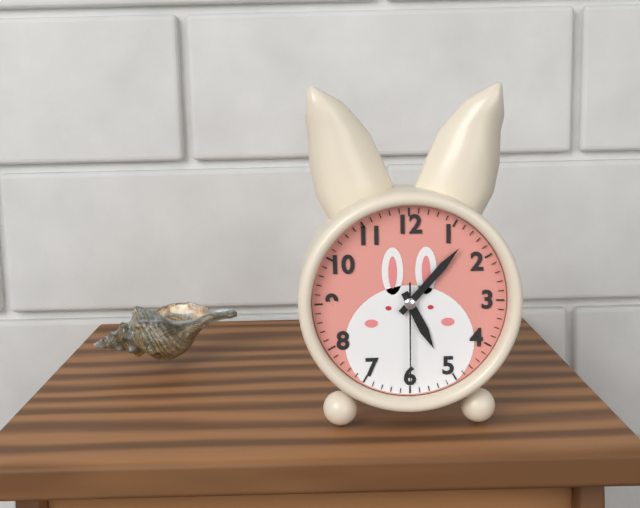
5:07:30
